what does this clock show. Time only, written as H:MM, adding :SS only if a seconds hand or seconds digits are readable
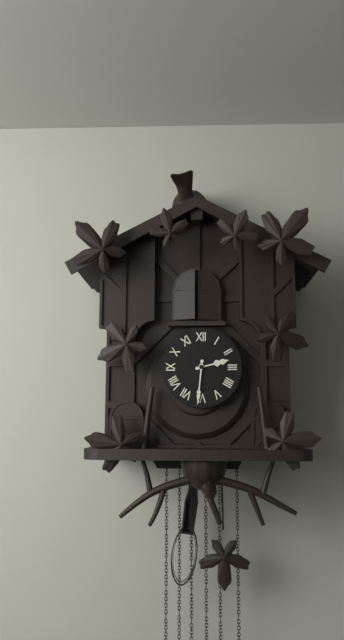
2:31
